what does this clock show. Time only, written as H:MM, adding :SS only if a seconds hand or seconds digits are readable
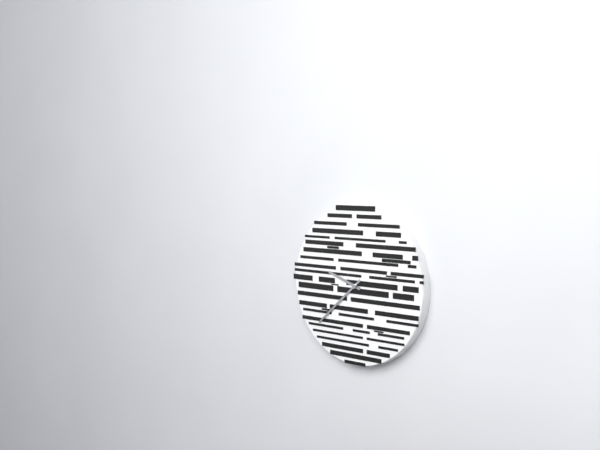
9:38
